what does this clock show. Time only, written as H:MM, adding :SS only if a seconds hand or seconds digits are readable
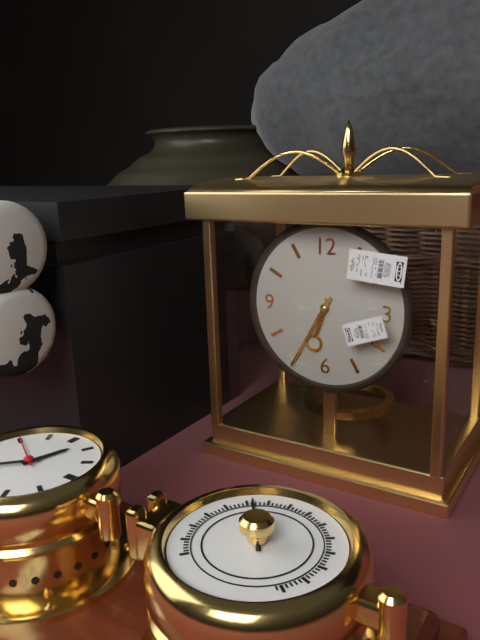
6:35
